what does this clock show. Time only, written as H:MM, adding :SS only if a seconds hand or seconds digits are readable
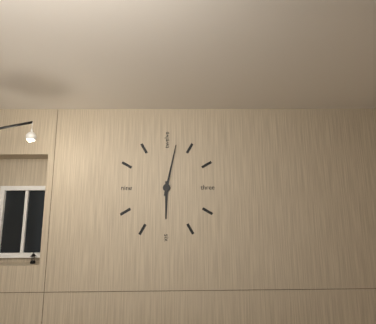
6:02
